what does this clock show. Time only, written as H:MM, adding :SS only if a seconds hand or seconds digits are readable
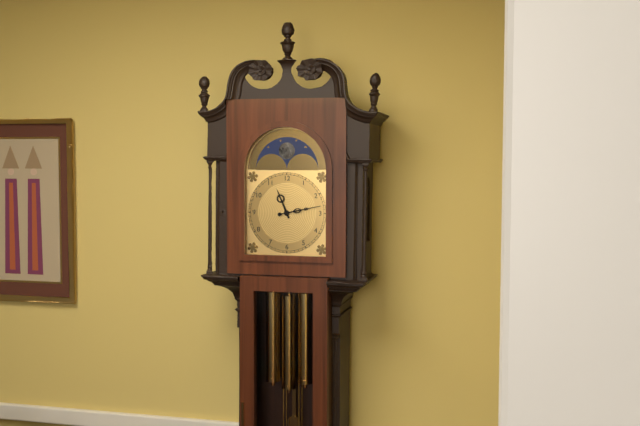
11:13
